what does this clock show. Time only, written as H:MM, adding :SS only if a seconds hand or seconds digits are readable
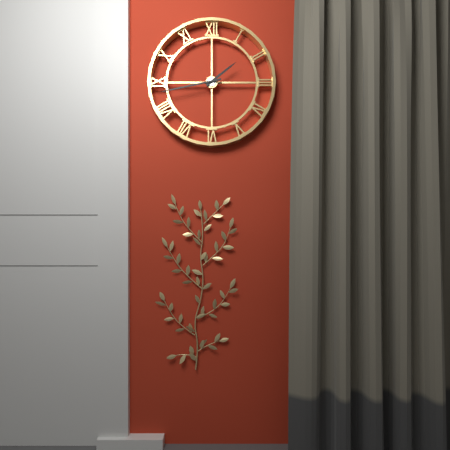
1:43
